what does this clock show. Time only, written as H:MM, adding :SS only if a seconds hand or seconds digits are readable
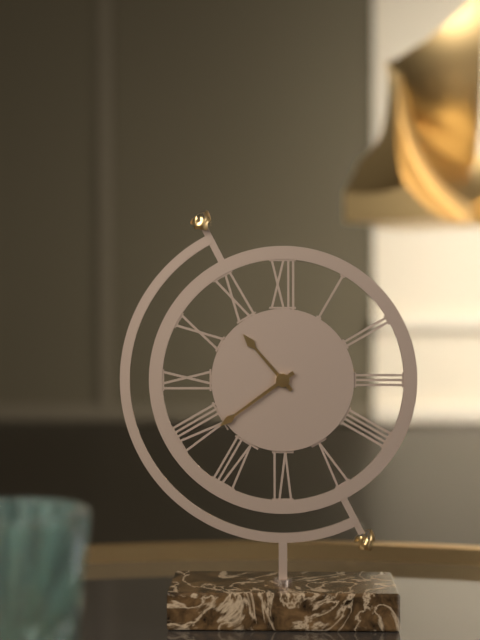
10:39
